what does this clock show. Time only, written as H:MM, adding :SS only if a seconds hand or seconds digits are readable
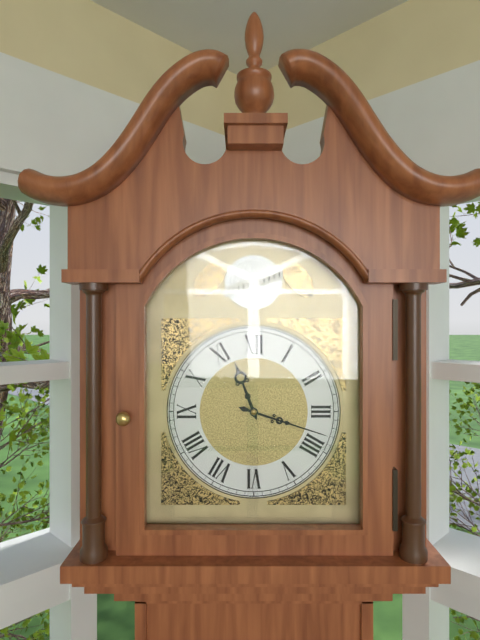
11:18
